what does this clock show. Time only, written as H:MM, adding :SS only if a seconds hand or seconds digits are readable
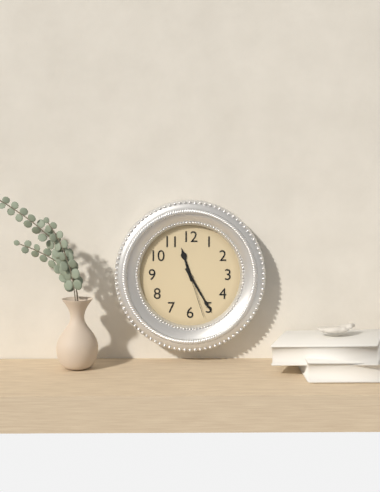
11:25:27
